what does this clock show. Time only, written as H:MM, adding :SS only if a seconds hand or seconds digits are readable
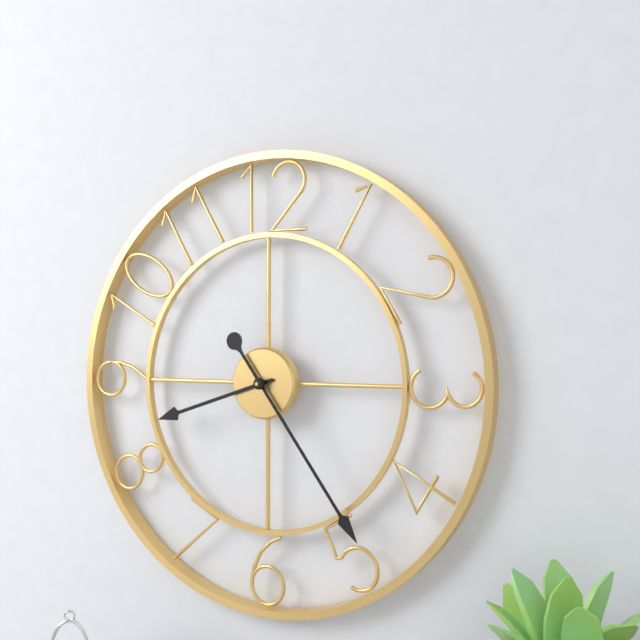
8:24
